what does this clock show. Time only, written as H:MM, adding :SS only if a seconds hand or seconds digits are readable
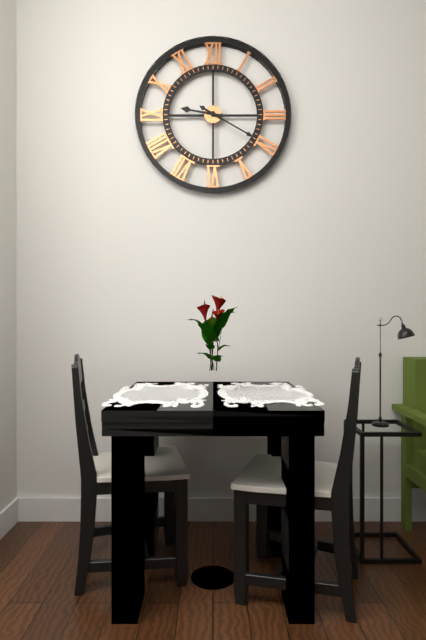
9:20
